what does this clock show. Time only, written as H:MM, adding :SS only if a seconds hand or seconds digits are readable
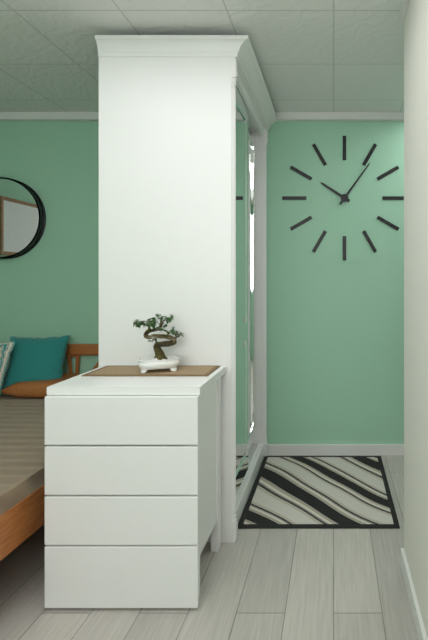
10:06
